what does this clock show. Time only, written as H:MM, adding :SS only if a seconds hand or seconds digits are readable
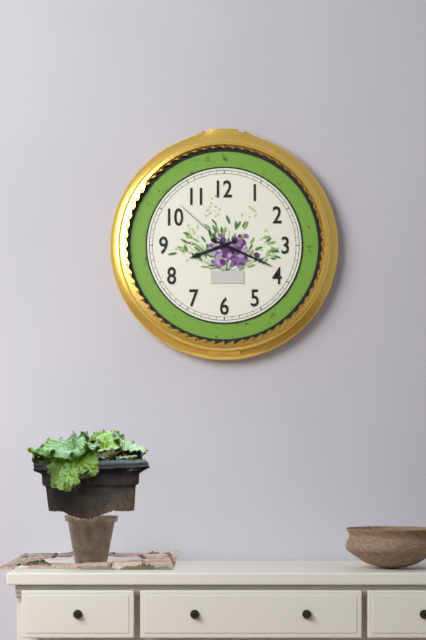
8:19:52
